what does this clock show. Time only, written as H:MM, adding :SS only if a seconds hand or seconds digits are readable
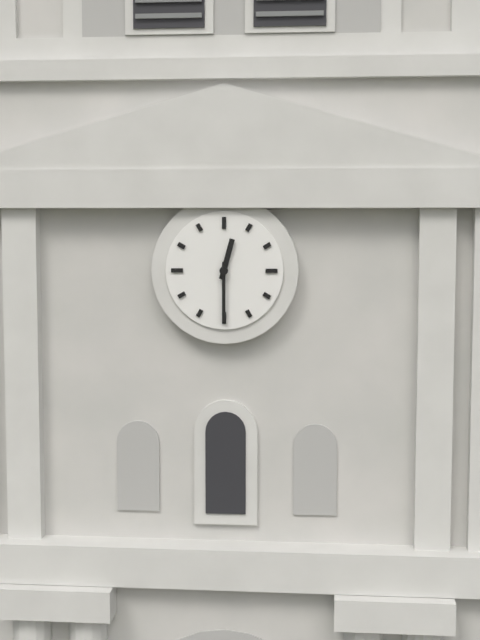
12:30
